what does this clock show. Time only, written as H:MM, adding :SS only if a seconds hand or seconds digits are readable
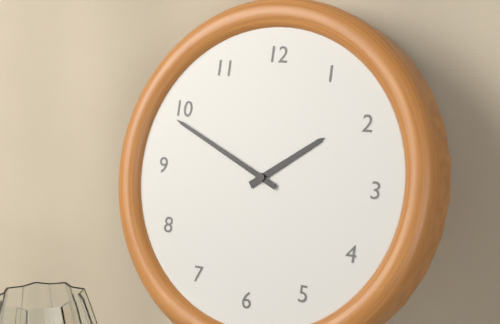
1:49
